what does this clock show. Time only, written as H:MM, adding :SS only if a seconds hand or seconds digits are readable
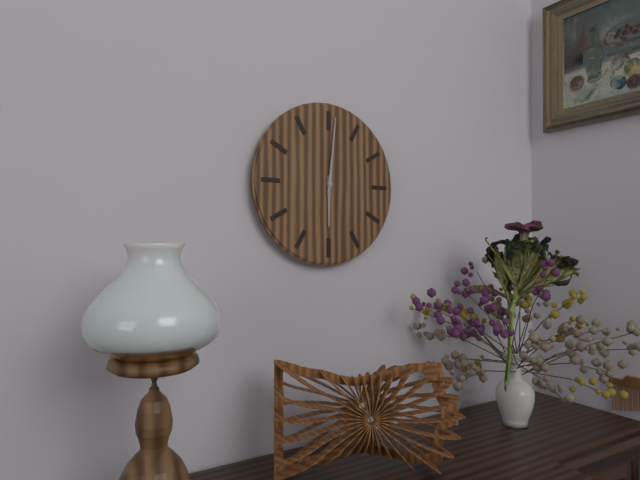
6:01
